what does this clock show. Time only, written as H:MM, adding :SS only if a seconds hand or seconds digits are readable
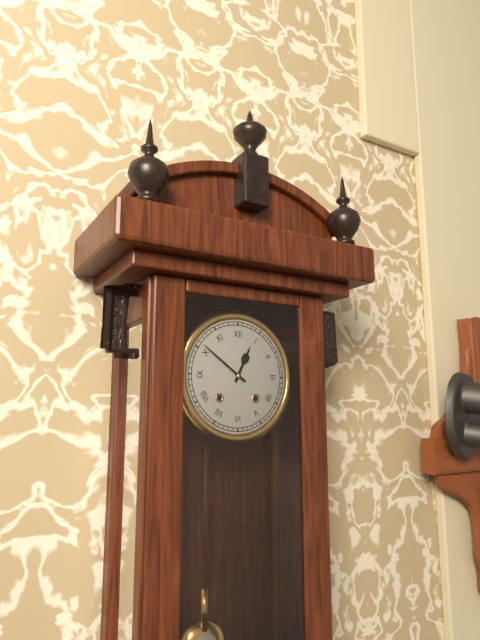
12:51
